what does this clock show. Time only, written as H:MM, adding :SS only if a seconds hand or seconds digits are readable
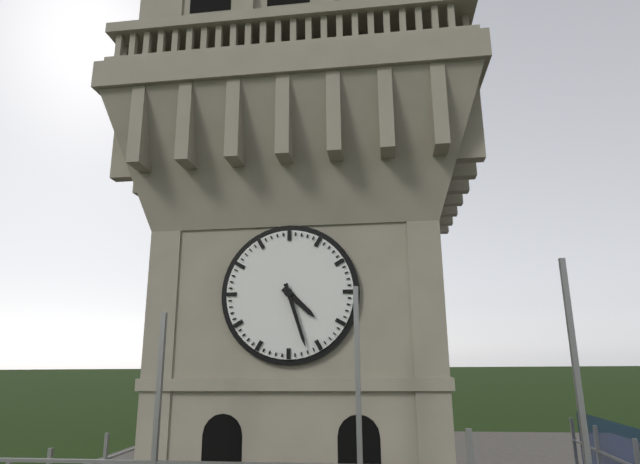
4:27
